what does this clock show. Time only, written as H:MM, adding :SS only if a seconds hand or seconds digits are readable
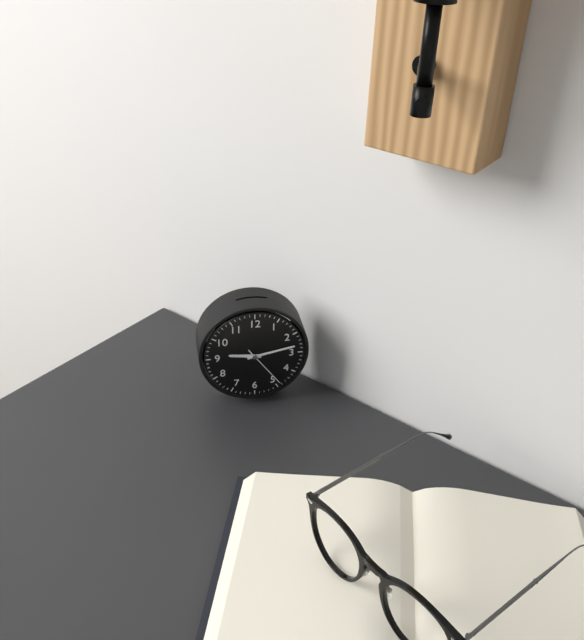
9:13
